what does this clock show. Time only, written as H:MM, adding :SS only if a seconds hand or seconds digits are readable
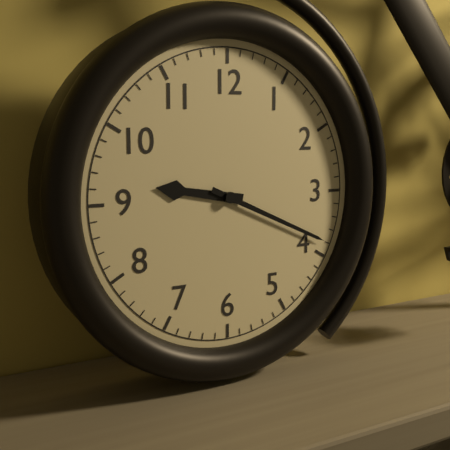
9:19
